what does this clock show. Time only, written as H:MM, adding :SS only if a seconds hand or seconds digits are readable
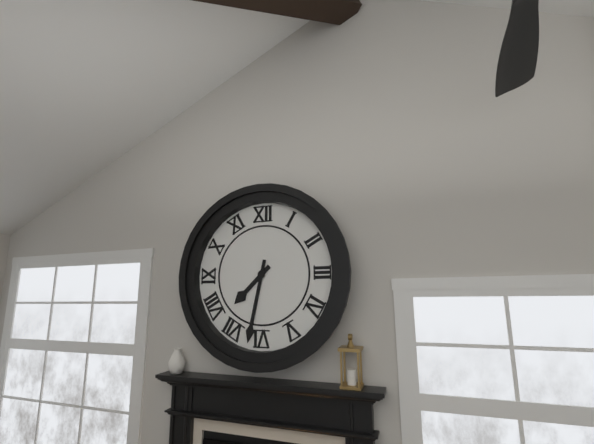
7:32
